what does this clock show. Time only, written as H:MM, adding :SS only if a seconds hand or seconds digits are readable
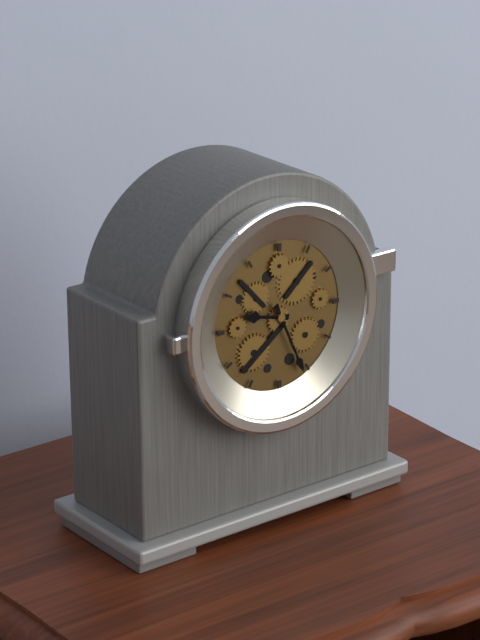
9:26
